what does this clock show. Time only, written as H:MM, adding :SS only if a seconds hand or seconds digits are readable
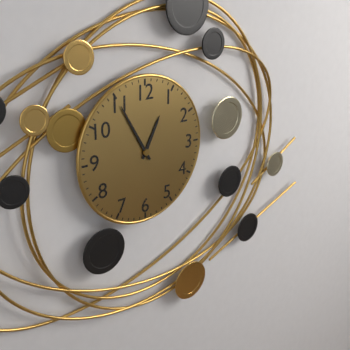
12:55
